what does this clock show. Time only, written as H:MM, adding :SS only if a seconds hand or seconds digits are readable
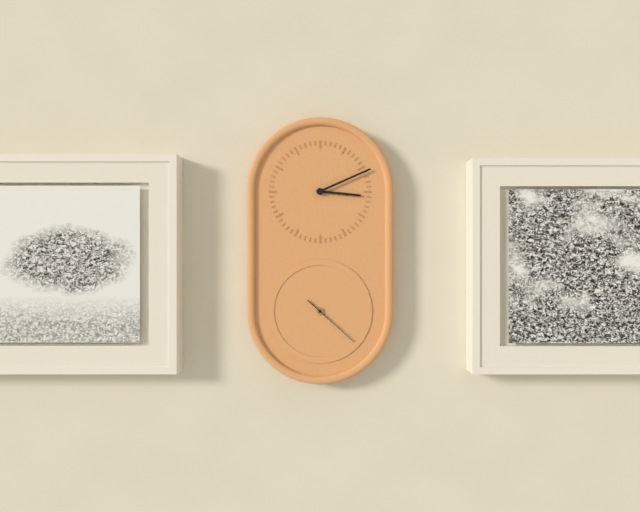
3:11:22
